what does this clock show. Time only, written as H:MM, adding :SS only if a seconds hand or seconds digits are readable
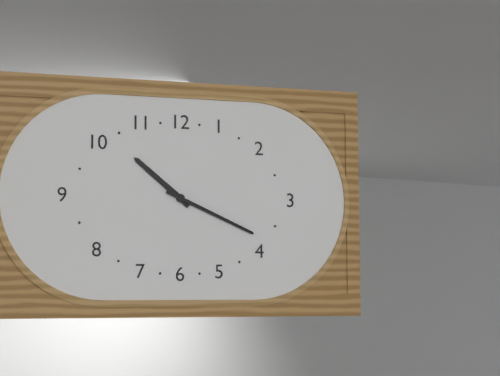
10:19
